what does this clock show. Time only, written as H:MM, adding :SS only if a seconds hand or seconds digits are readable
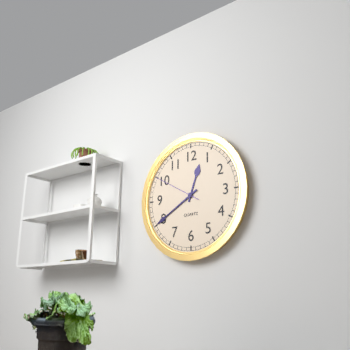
12:40
